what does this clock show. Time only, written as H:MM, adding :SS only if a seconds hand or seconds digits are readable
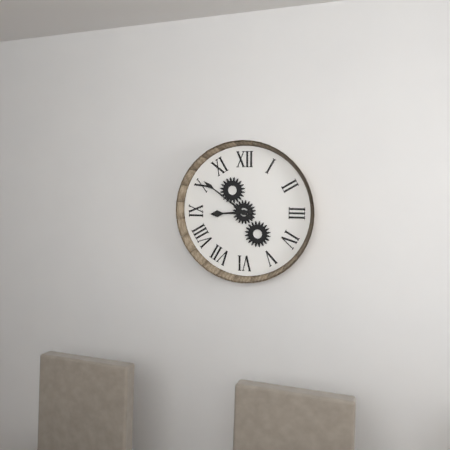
8:51
